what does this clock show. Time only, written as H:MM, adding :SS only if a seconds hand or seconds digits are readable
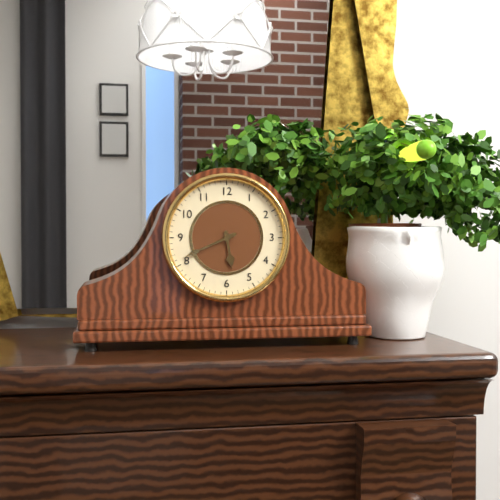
5:41
